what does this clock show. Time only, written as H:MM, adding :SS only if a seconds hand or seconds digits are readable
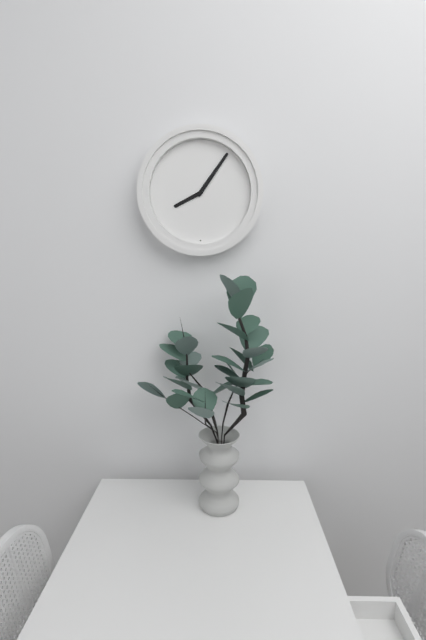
8:06
